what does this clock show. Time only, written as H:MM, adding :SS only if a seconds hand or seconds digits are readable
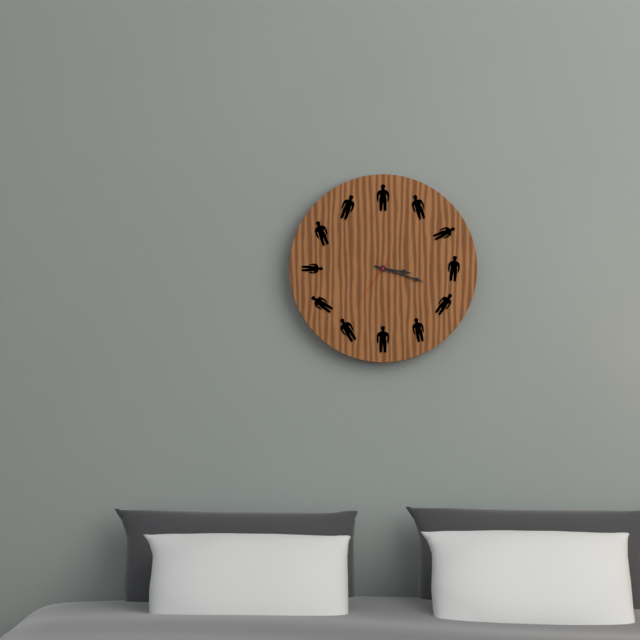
3:18:36
